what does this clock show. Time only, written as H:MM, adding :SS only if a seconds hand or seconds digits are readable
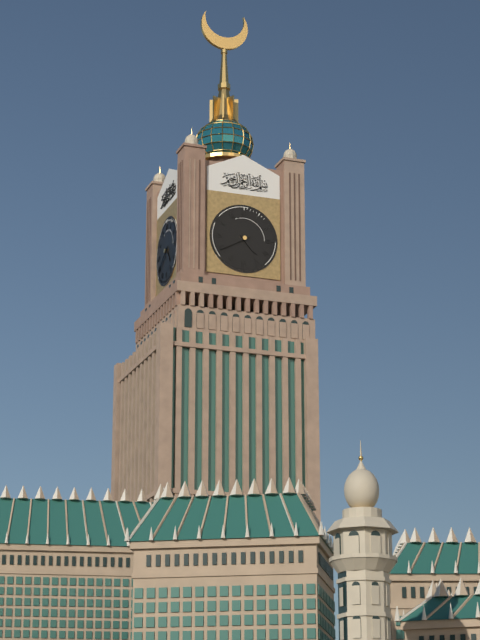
4:40
